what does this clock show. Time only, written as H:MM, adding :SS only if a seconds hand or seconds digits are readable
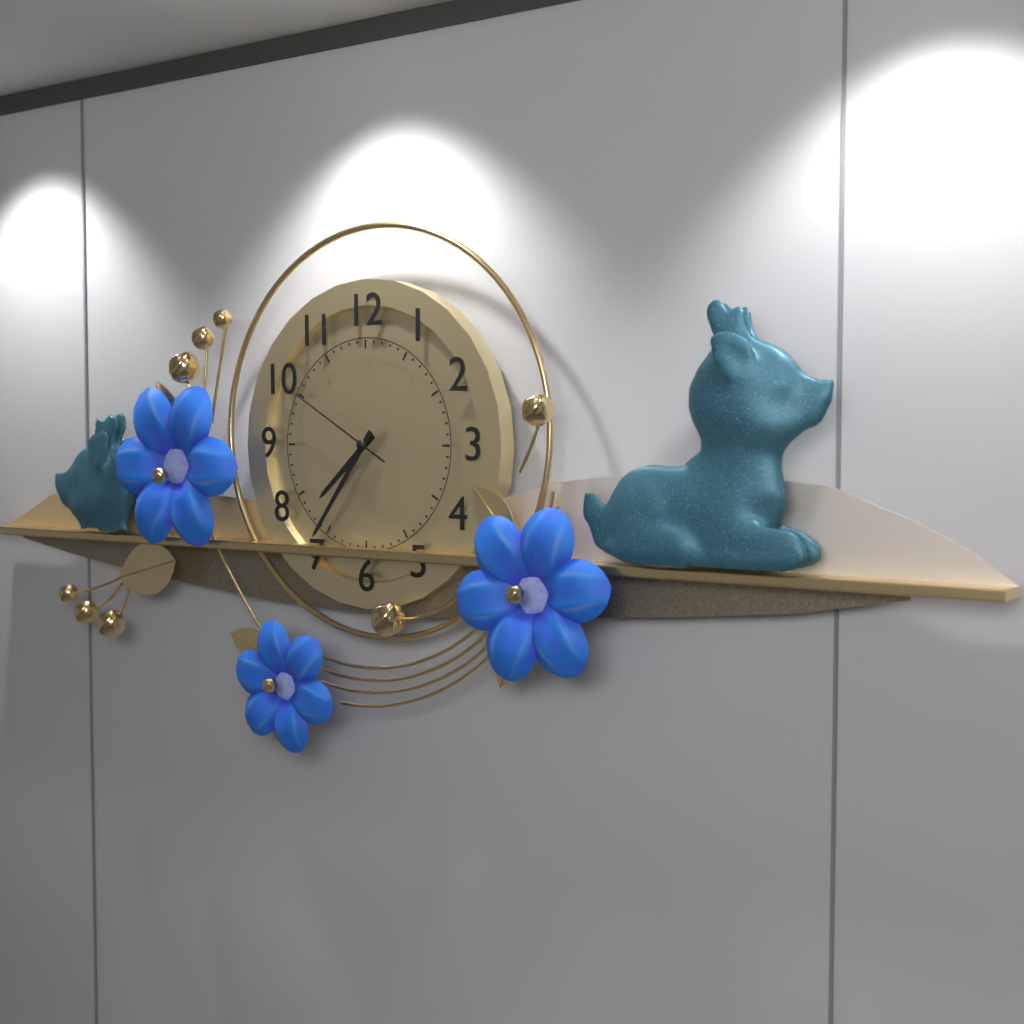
7:36:50
